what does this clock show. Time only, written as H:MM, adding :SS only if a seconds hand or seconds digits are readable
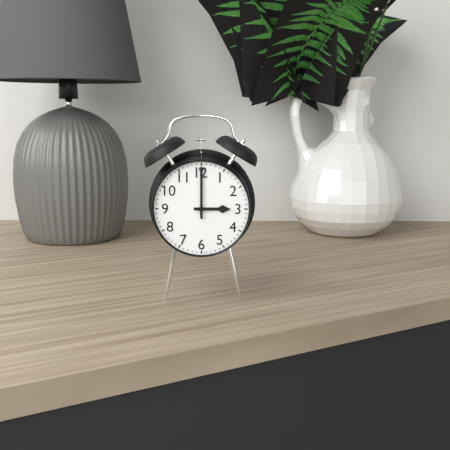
3:00
